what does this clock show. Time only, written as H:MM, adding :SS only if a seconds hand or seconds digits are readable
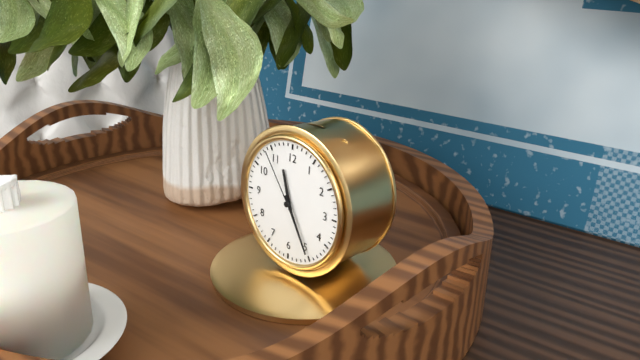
11:25:54
